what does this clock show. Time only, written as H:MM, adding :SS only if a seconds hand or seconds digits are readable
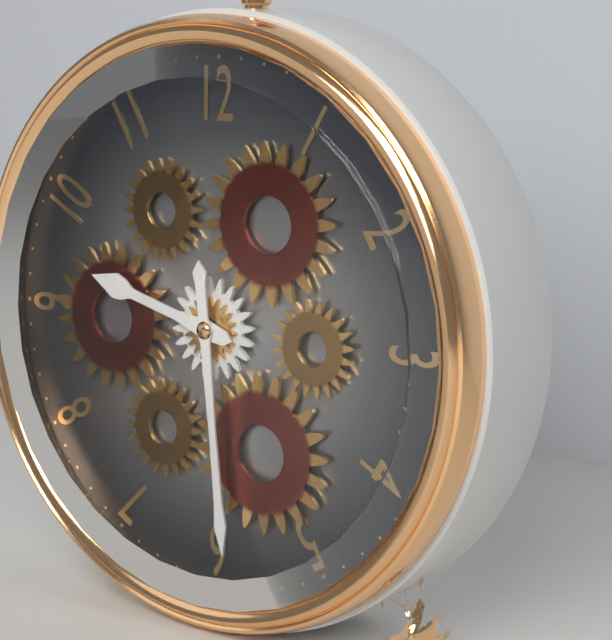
9:29
